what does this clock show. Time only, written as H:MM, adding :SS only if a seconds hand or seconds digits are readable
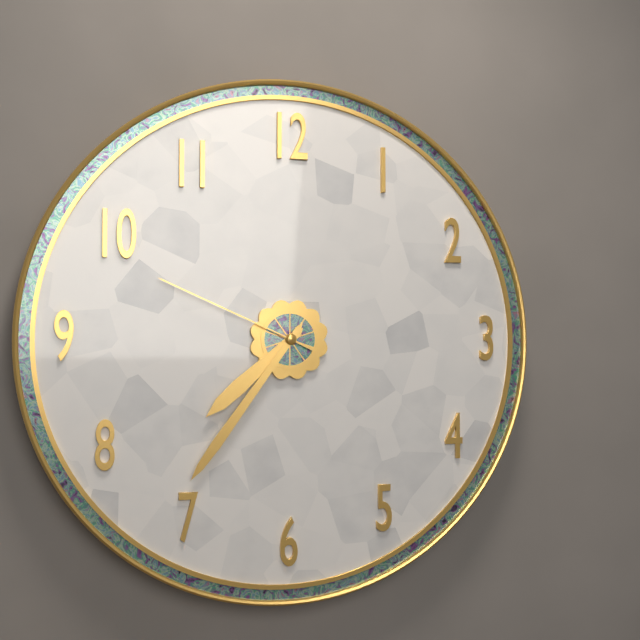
7:36:49
